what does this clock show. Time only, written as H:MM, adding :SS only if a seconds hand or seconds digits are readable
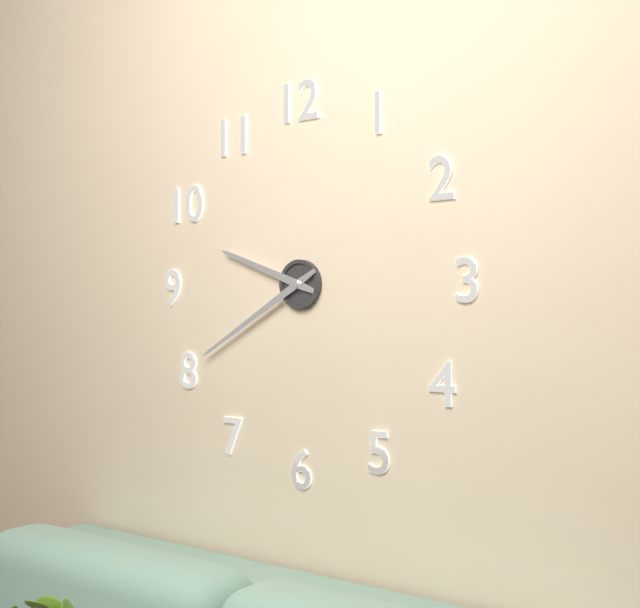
9:40
